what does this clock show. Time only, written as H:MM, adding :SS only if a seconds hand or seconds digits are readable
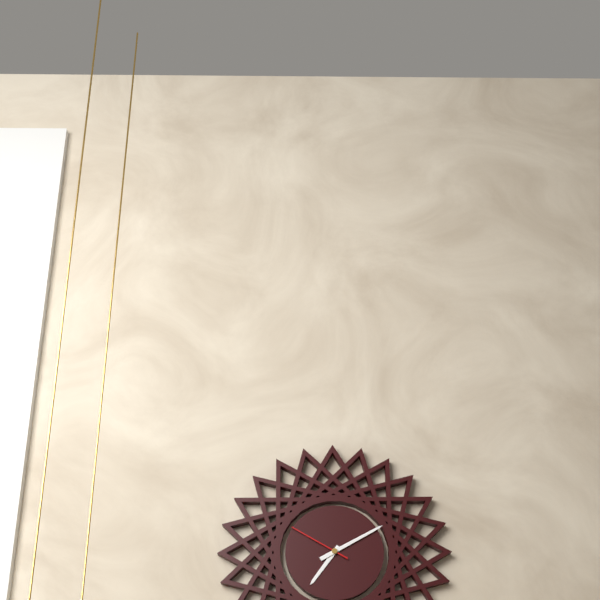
7:10:50
